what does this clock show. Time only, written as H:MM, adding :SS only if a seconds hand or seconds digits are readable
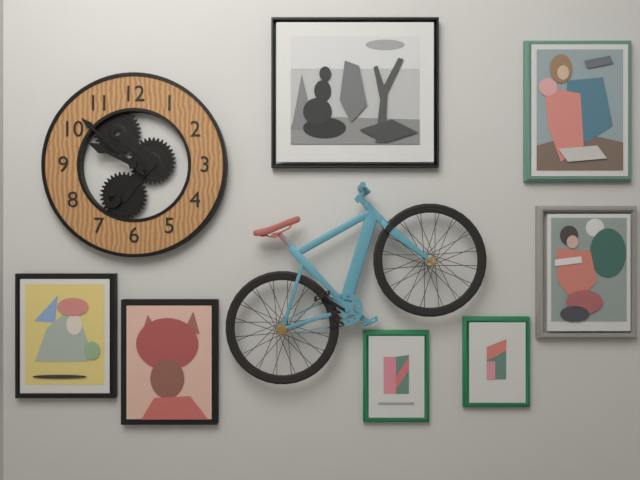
9:52
